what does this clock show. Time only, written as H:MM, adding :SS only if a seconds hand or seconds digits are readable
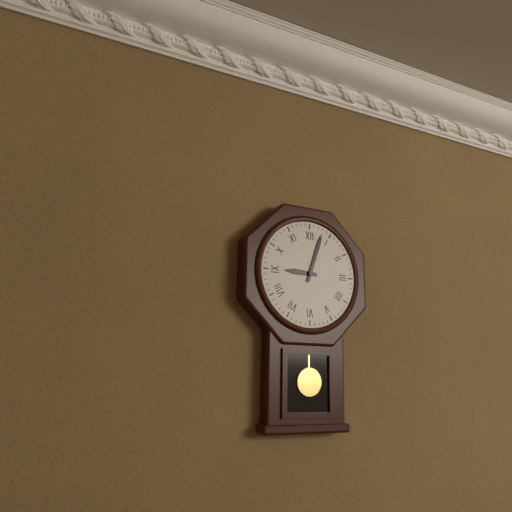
9:03
